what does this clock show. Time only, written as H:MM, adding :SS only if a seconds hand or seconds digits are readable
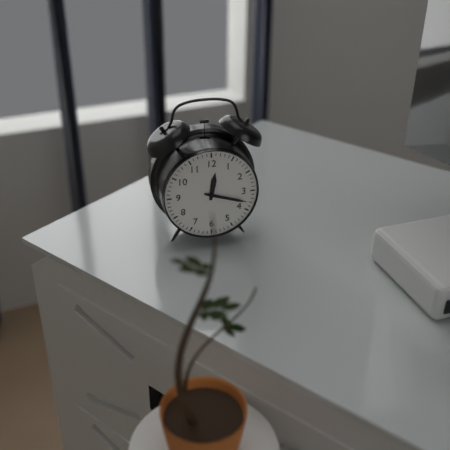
12:18
